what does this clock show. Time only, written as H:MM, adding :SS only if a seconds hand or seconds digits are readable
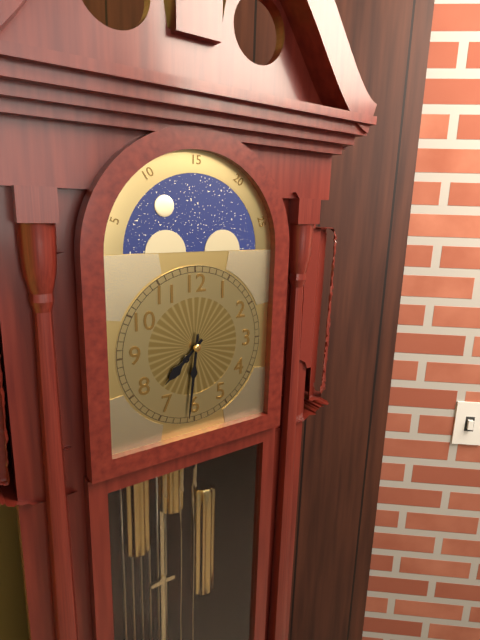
7:31
